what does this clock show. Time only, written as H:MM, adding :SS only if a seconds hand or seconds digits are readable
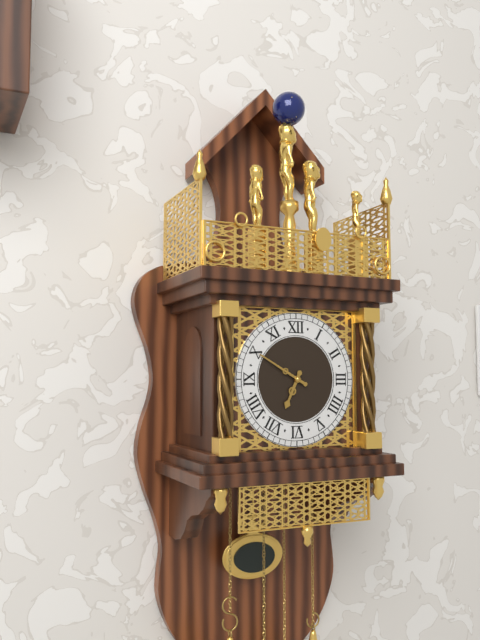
6:50
